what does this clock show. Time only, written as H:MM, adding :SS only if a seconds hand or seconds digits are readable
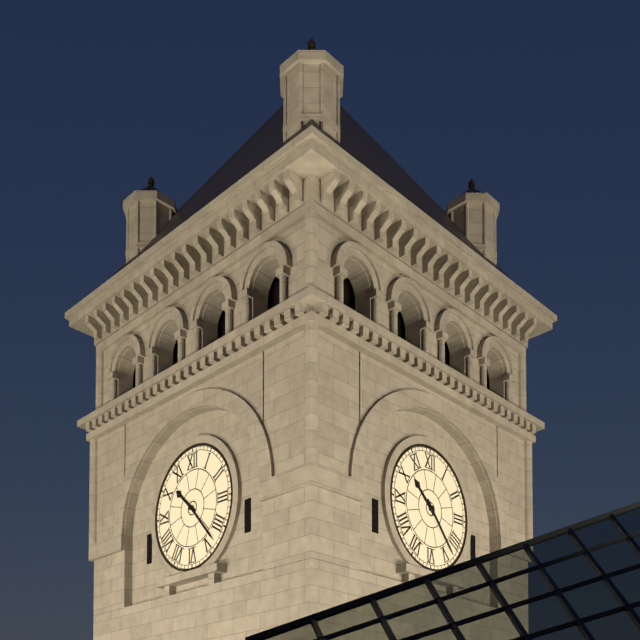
10:23
